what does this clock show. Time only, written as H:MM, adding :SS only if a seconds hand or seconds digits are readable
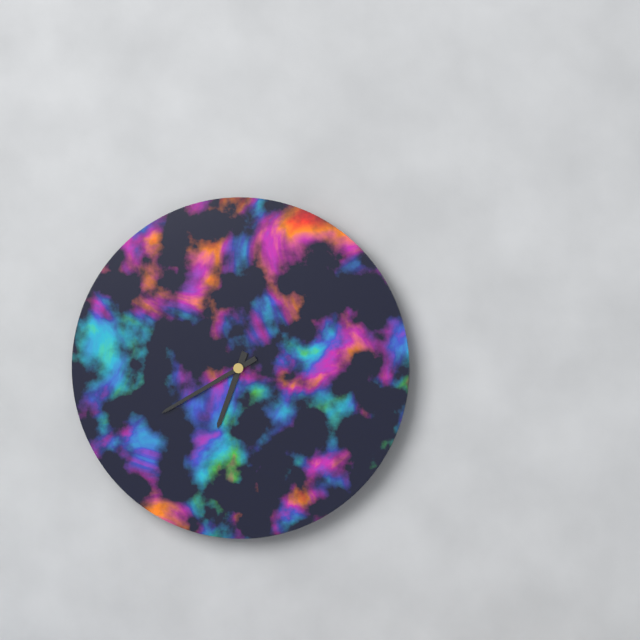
6:40
